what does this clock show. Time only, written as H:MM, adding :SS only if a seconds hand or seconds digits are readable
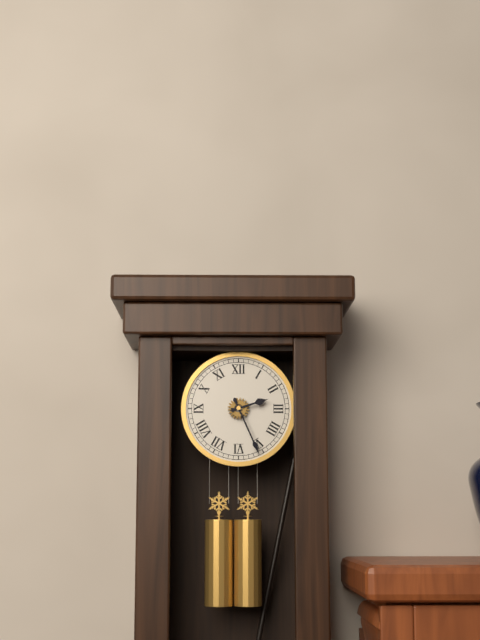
2:26
